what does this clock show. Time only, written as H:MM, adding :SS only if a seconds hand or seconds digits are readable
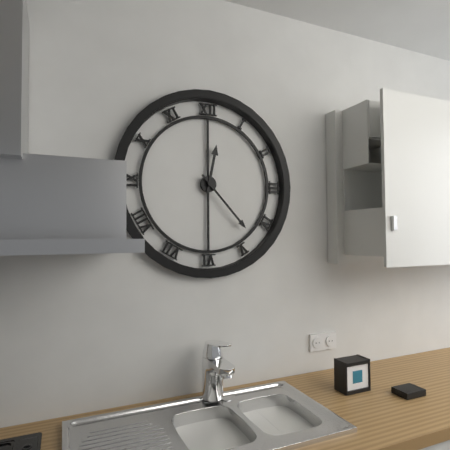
12:23
